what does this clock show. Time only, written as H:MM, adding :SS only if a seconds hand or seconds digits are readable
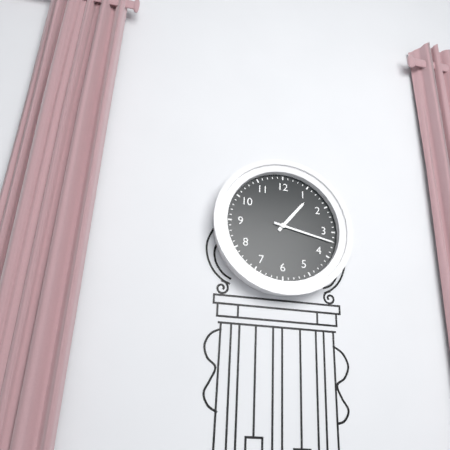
1:17
